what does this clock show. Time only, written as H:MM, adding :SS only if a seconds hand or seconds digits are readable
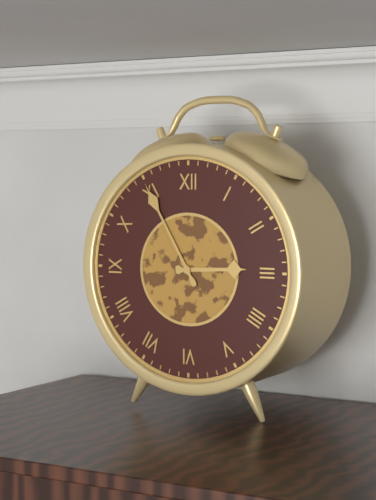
2:55
